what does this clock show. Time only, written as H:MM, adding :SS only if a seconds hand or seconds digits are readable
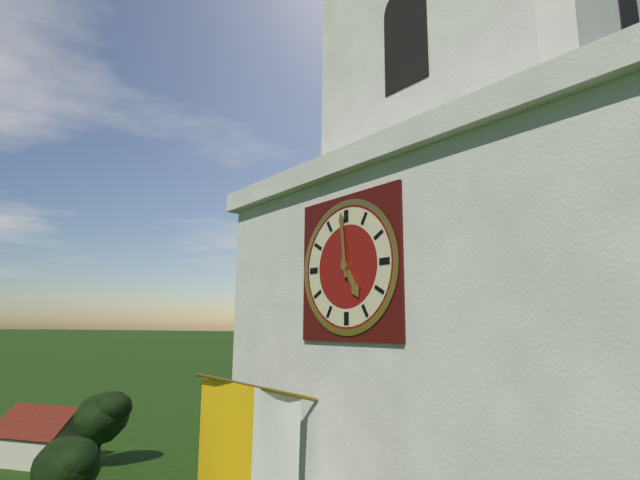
4:59
